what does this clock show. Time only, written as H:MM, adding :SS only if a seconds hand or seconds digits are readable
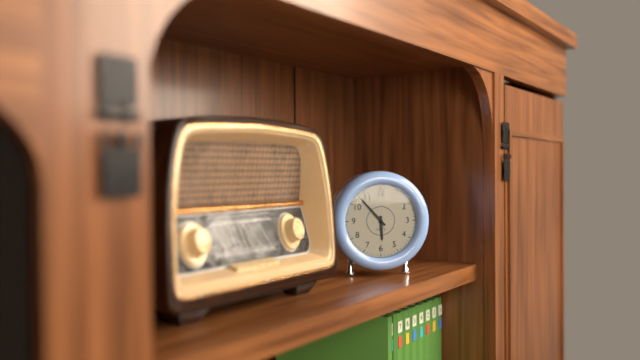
5:53
